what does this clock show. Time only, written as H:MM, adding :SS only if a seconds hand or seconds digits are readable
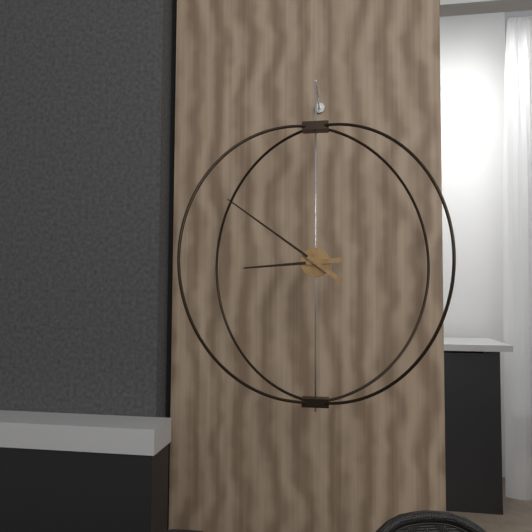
8:51
